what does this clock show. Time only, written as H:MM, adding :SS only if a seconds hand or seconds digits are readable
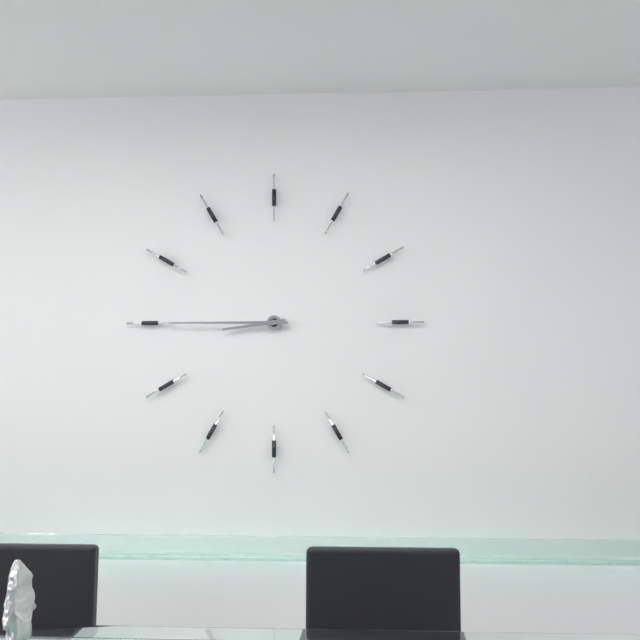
8:45
